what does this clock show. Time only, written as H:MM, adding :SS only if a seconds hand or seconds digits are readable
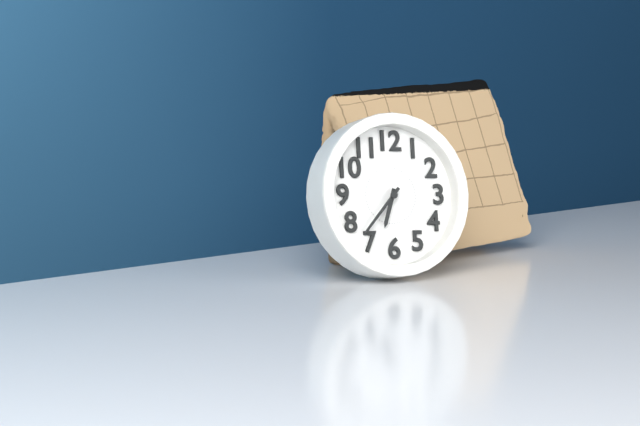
6:37
